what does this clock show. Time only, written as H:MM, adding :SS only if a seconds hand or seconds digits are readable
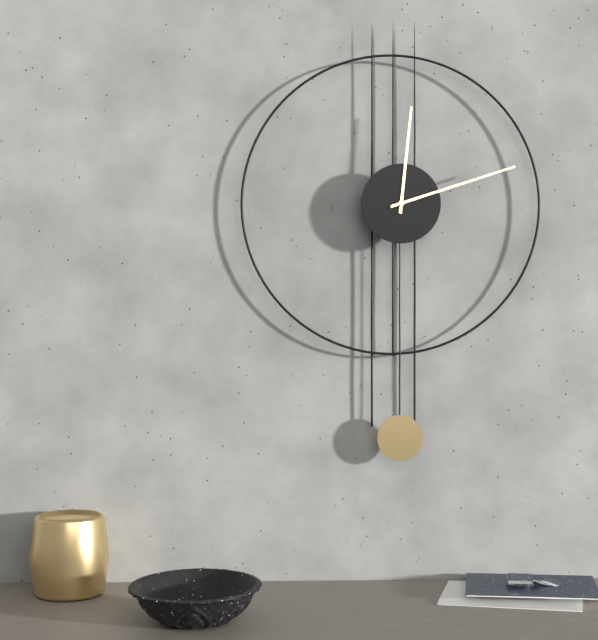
12:12
